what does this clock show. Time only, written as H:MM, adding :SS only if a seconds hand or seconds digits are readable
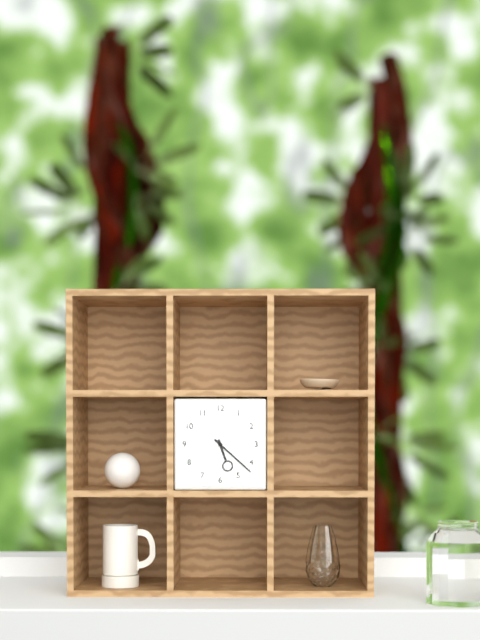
5:22
